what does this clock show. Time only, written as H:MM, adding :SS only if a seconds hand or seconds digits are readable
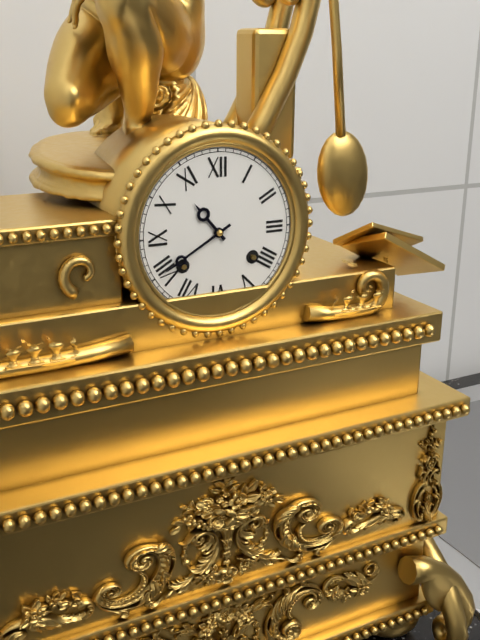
10:40
